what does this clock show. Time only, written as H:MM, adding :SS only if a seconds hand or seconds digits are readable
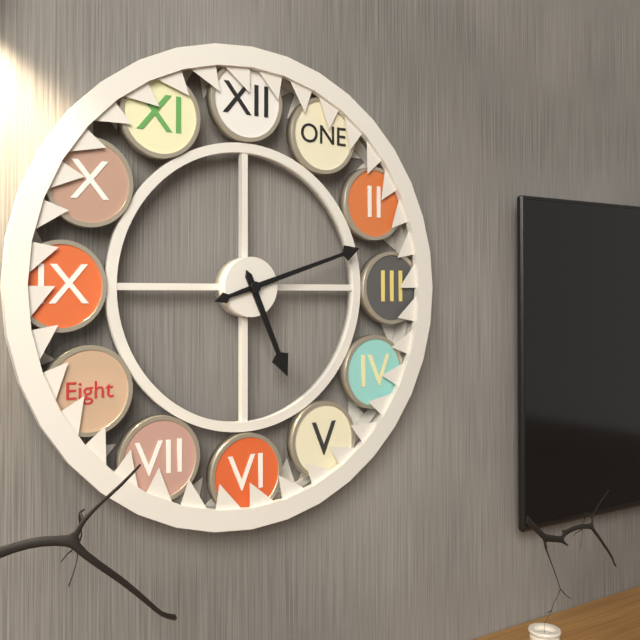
5:12
